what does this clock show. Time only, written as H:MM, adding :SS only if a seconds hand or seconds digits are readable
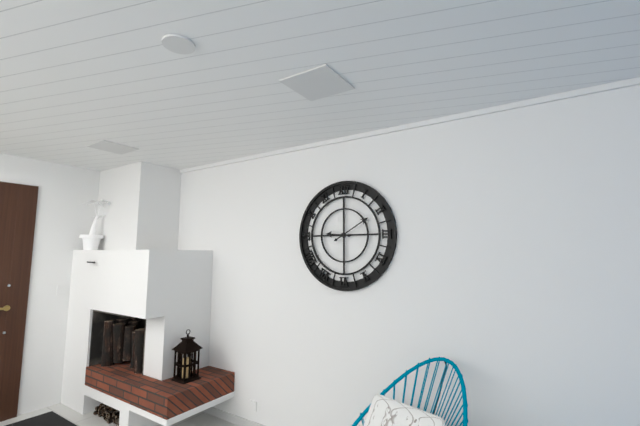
9:10
